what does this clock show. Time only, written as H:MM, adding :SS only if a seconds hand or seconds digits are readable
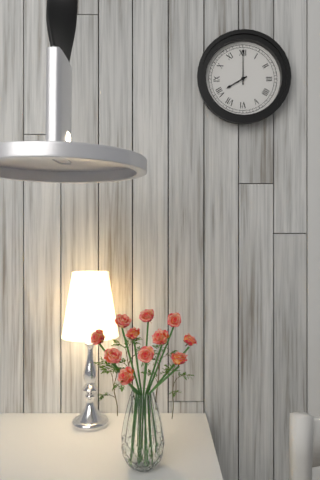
8:00
